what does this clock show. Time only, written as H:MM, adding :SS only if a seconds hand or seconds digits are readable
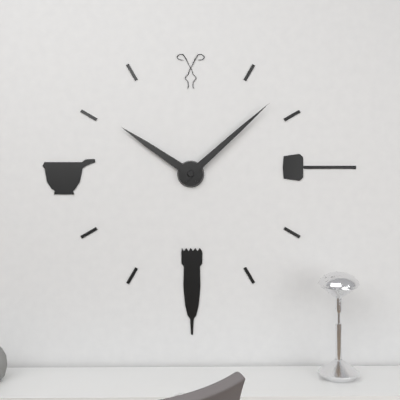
10:08
